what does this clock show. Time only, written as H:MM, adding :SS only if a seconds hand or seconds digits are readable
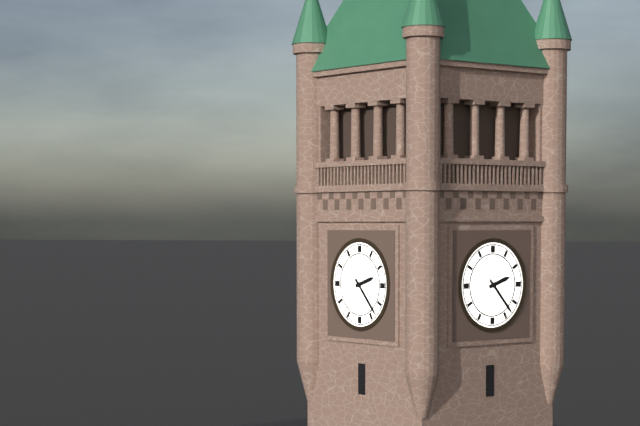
2:23
